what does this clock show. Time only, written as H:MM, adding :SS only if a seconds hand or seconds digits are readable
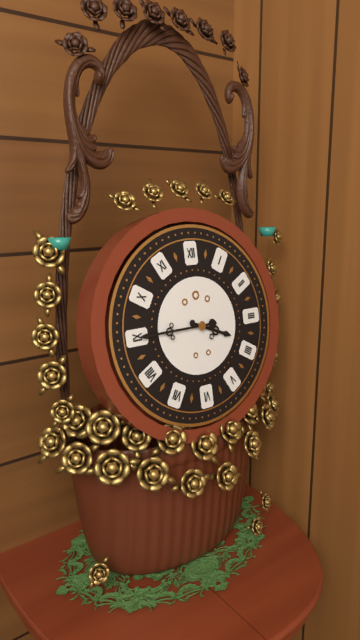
3:45
